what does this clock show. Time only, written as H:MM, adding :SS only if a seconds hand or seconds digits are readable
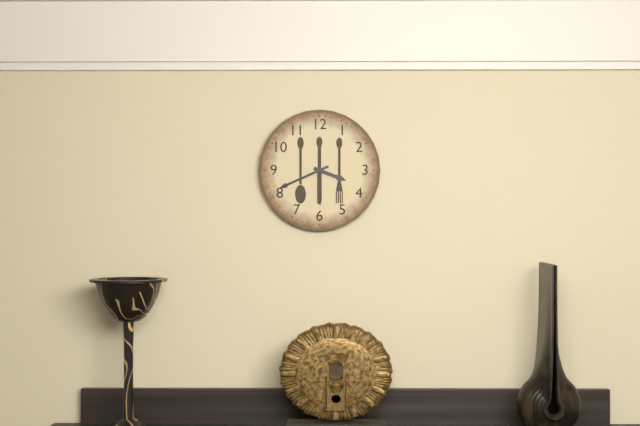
3:41
